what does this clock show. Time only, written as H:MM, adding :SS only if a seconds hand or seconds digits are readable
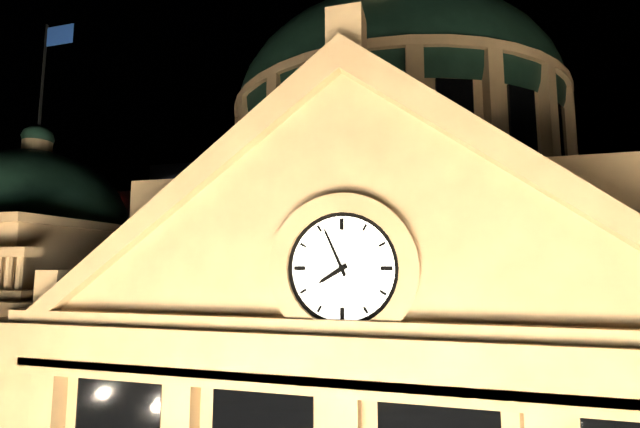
7:56
